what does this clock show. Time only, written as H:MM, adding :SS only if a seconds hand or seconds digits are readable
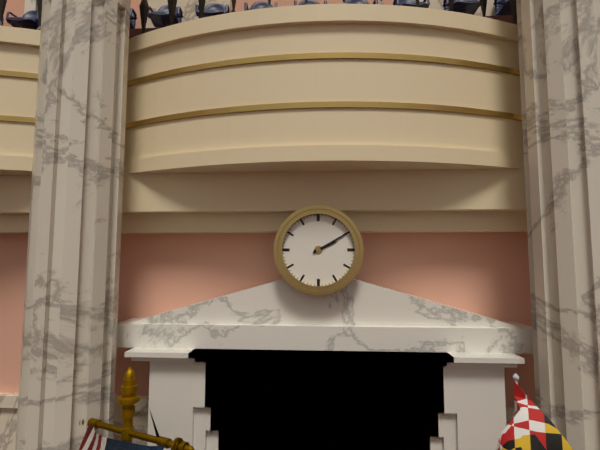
2:10
